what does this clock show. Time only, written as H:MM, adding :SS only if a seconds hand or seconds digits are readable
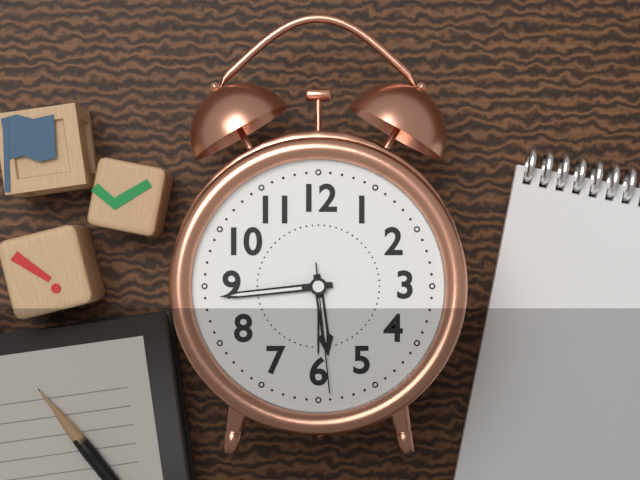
5:44:29
